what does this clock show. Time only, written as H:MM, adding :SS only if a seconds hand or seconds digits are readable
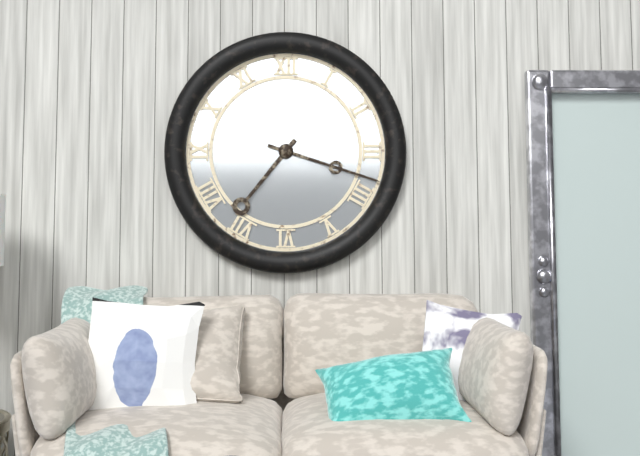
7:18
